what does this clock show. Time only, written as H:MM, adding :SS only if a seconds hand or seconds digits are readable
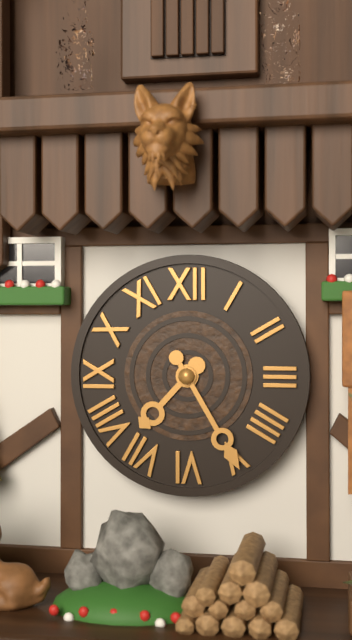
7:25
